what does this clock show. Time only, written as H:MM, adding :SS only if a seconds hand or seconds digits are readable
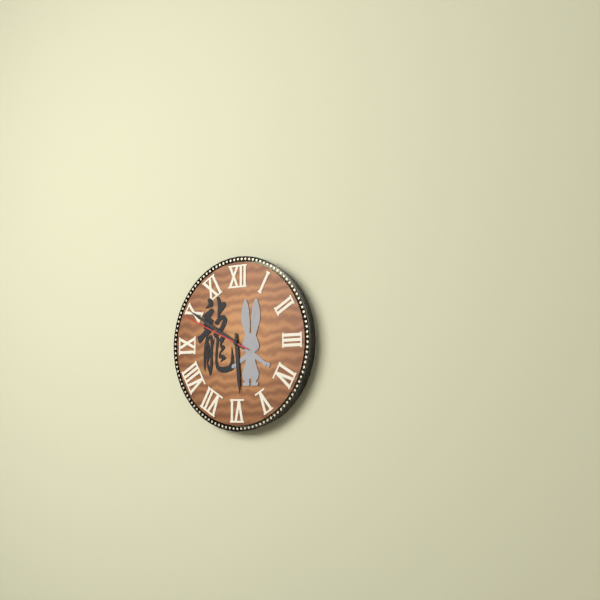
5:50:49
